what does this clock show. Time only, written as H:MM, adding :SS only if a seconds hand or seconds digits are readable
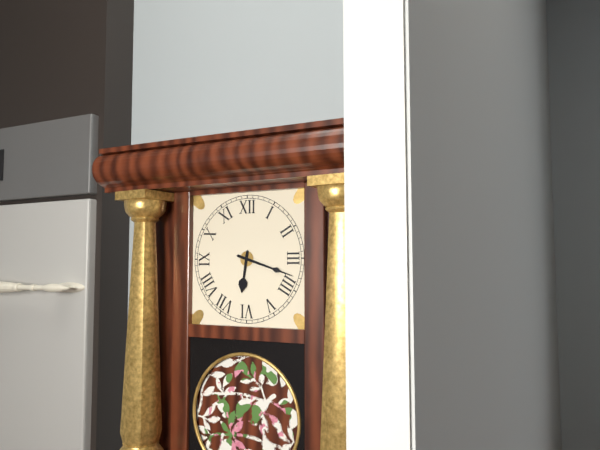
6:18
